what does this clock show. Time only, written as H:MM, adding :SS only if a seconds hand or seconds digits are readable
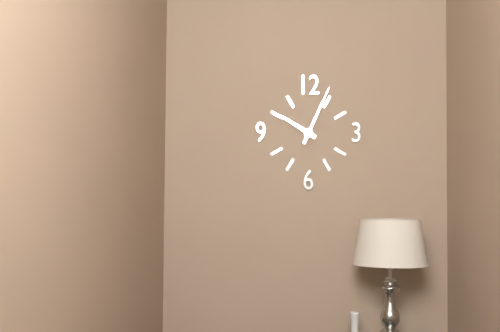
10:04
